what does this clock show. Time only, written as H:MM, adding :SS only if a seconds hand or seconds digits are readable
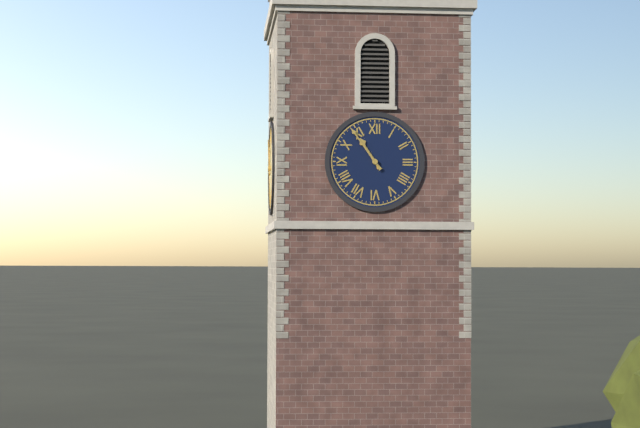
10:54
